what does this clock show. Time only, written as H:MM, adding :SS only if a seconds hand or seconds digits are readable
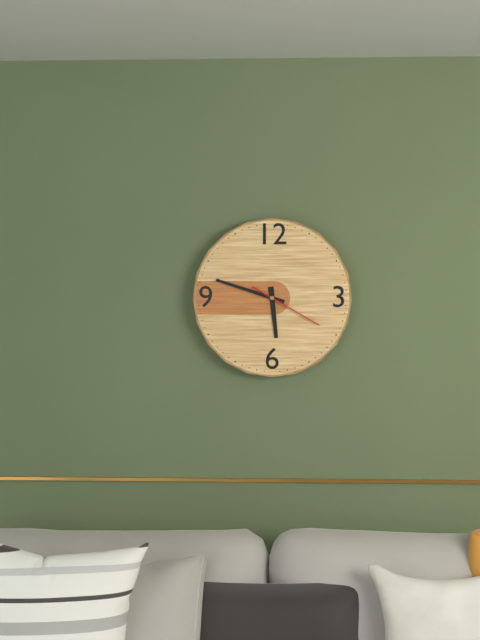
5:48:20
